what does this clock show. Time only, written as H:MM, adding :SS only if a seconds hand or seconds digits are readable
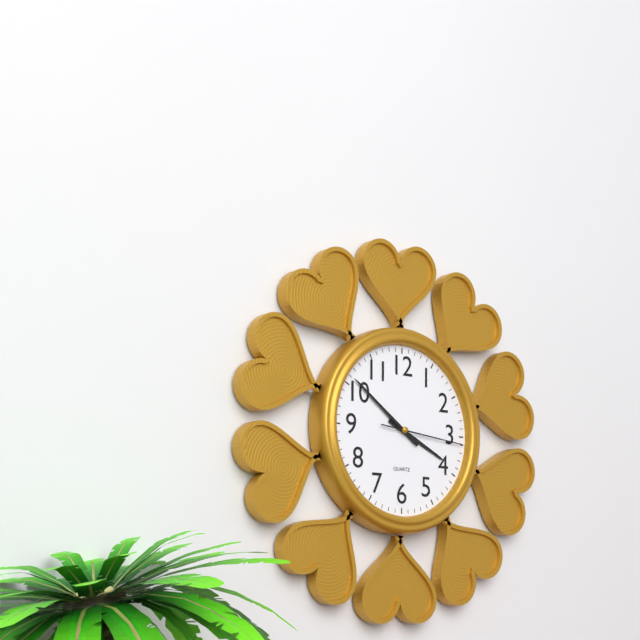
3:51:16
